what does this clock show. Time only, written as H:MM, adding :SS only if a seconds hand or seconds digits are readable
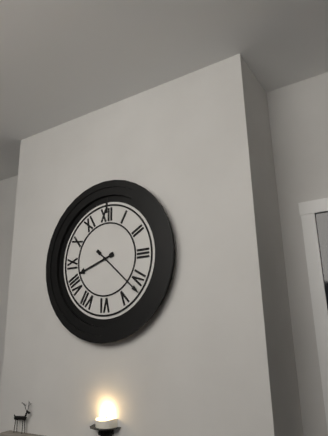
8:22
